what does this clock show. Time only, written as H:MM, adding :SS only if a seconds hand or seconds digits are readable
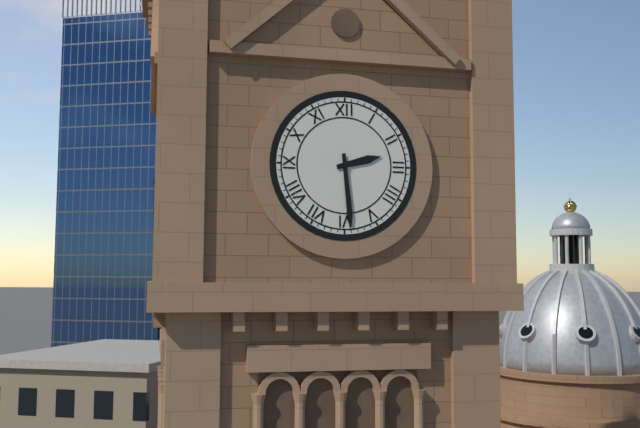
2:29
